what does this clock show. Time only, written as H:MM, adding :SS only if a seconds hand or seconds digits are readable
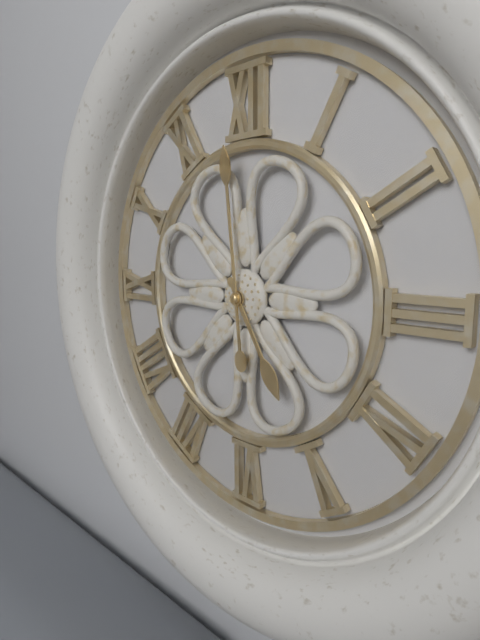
4:59
